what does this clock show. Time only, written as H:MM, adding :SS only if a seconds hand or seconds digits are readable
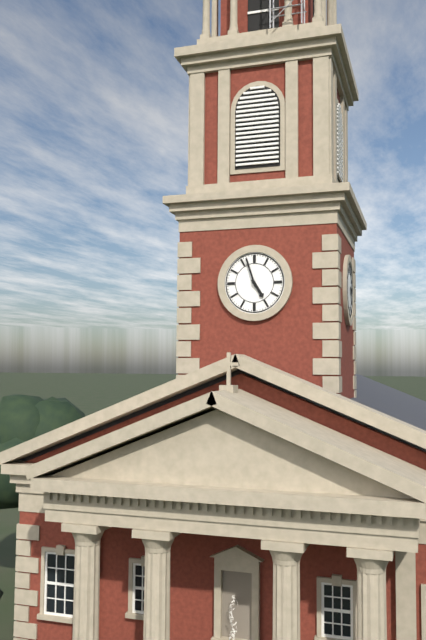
4:57
